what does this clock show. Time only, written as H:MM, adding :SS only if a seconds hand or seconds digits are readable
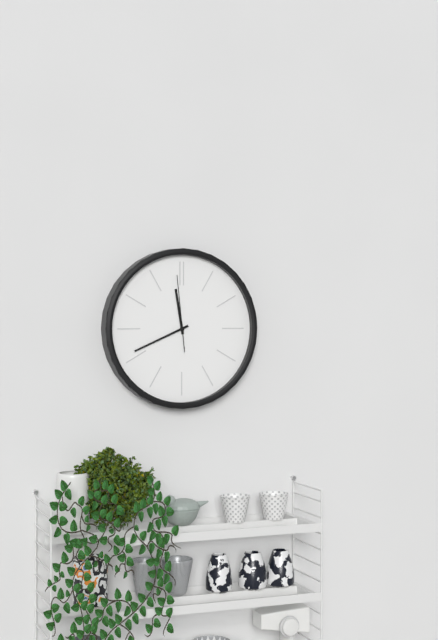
11:41:59
